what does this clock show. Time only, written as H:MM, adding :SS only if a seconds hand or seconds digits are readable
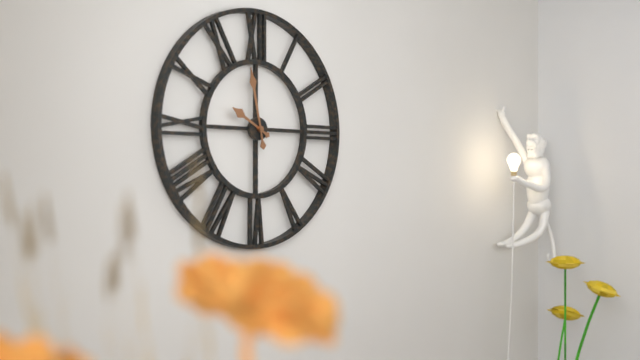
9:58
